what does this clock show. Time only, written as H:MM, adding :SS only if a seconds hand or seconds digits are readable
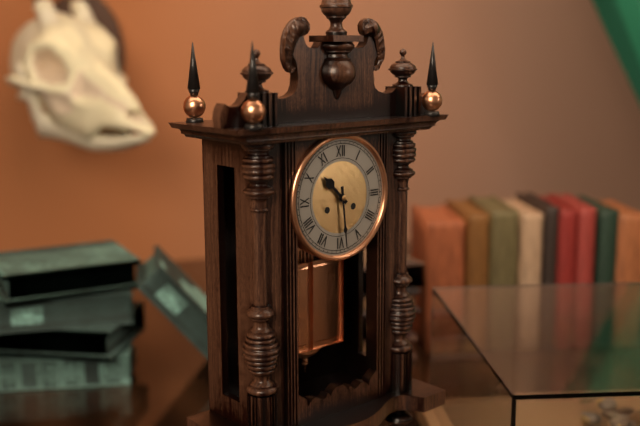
10:29
